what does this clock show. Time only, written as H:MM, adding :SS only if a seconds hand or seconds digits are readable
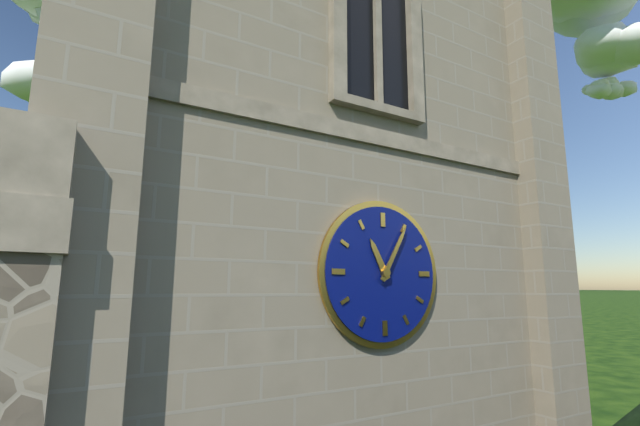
11:05
